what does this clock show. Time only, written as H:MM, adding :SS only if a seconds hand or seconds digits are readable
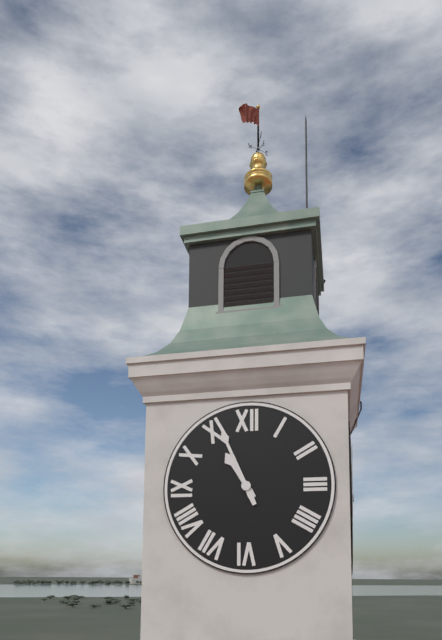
10:56
